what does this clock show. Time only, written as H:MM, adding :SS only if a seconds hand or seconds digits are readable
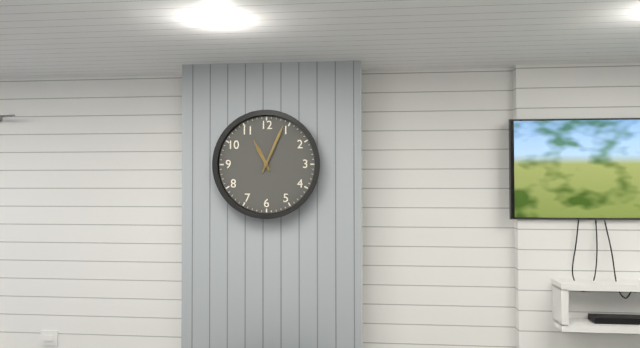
11:04
